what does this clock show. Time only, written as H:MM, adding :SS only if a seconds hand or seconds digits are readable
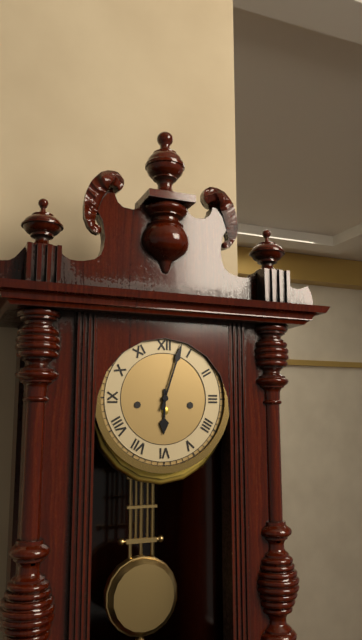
6:03
